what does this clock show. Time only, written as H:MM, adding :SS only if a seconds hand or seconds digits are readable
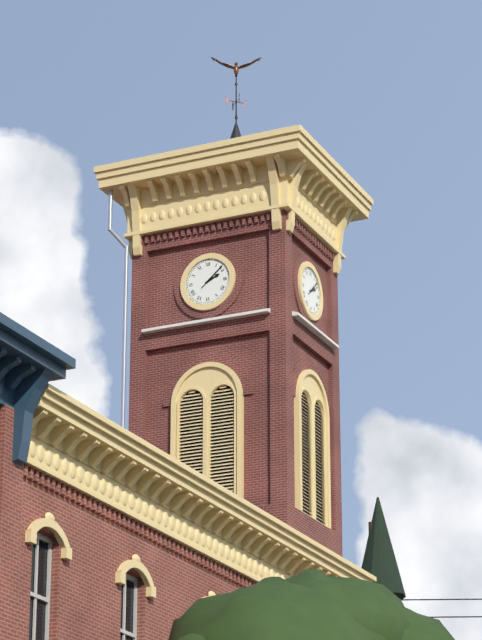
2:08
